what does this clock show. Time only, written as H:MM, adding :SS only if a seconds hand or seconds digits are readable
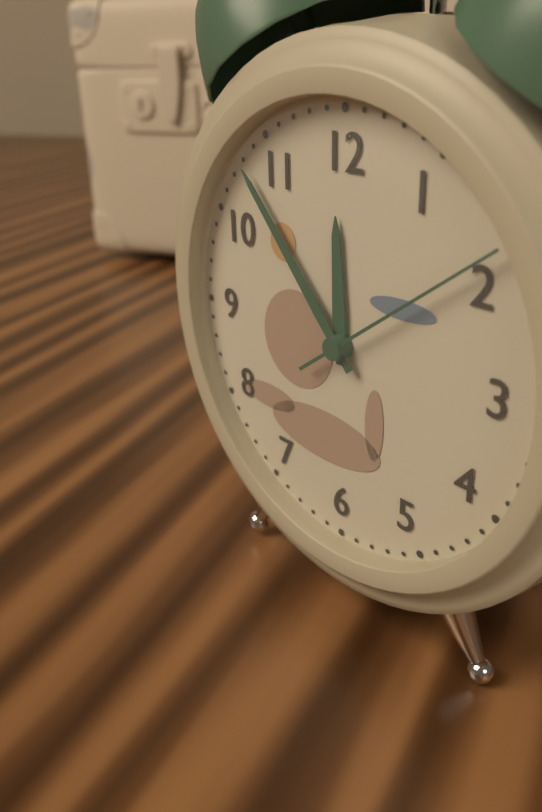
11:53:09
